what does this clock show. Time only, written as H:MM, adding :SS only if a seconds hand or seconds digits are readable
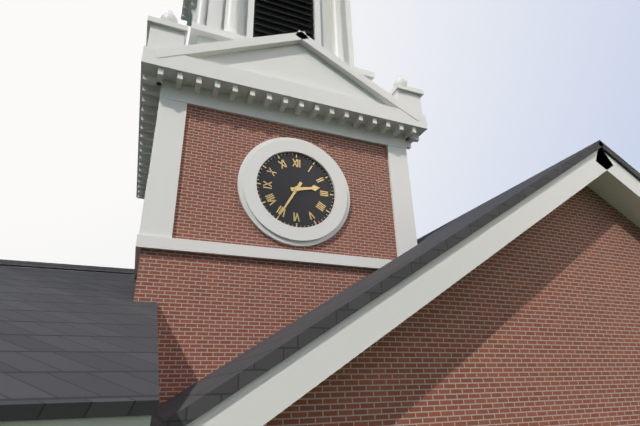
2:35
